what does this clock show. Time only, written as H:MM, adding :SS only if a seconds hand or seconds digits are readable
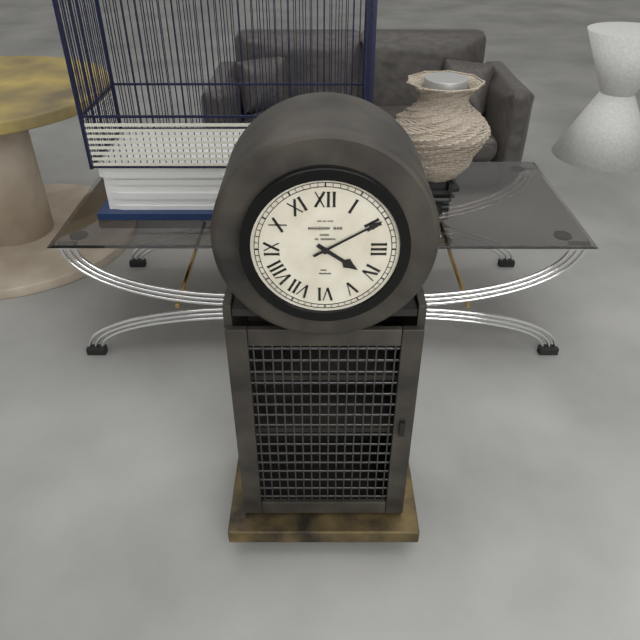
4:10
